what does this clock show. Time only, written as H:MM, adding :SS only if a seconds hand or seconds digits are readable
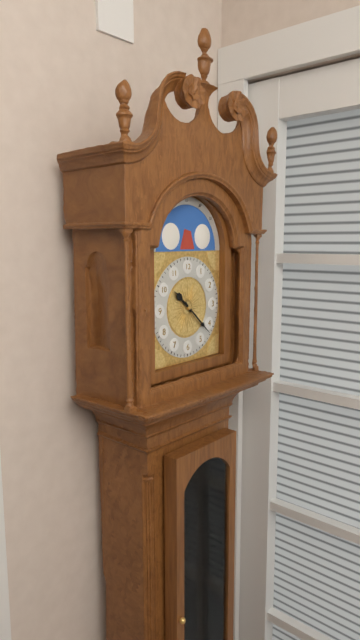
10:22
